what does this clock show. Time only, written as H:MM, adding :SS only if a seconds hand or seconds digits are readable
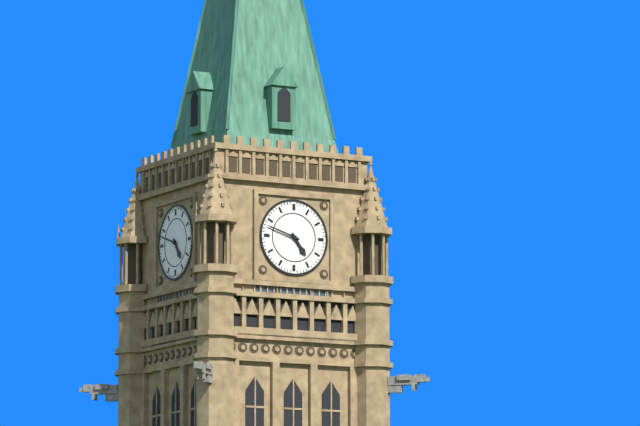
4:48
